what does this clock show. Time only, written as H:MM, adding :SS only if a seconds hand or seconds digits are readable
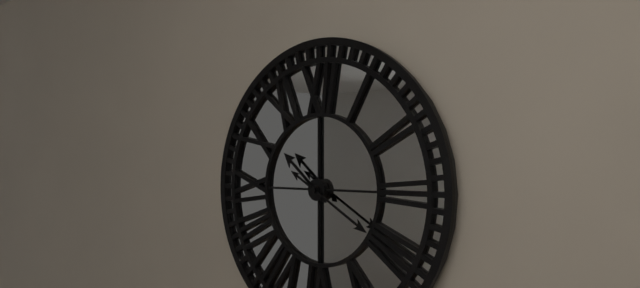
10:20
